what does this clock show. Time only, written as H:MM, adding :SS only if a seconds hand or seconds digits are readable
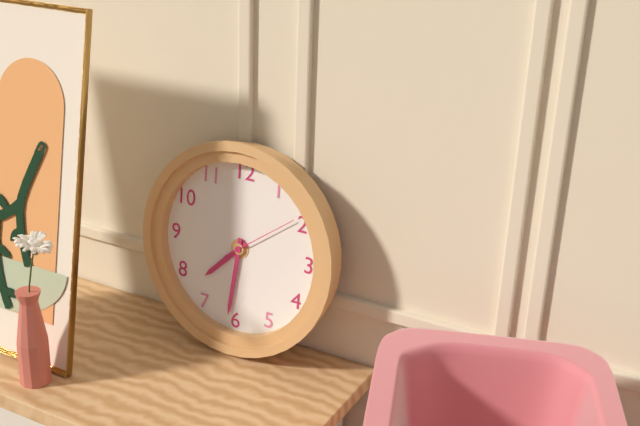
7:31:09
